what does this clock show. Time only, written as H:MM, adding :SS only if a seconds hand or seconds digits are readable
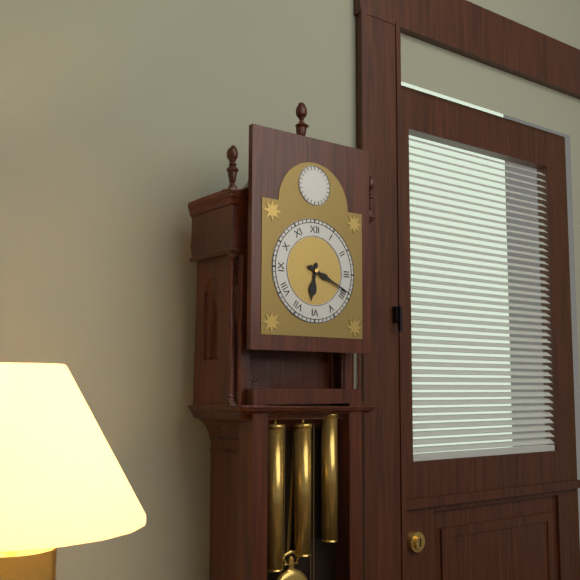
6:19
